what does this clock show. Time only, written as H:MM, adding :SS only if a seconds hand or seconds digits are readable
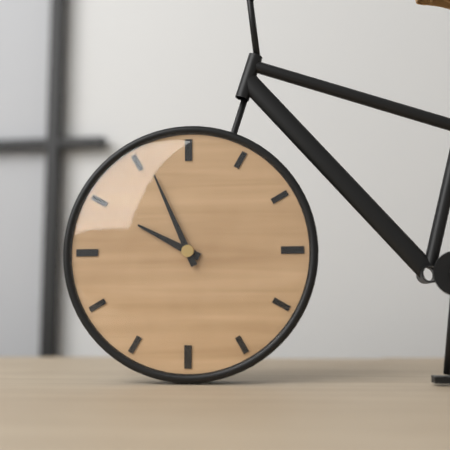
9:56
